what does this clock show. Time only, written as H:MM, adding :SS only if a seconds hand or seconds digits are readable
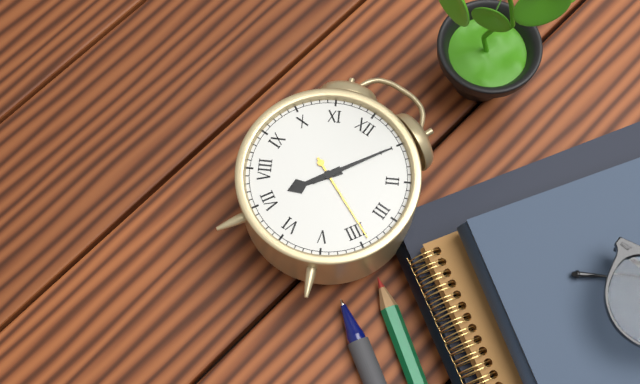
7:05:19
